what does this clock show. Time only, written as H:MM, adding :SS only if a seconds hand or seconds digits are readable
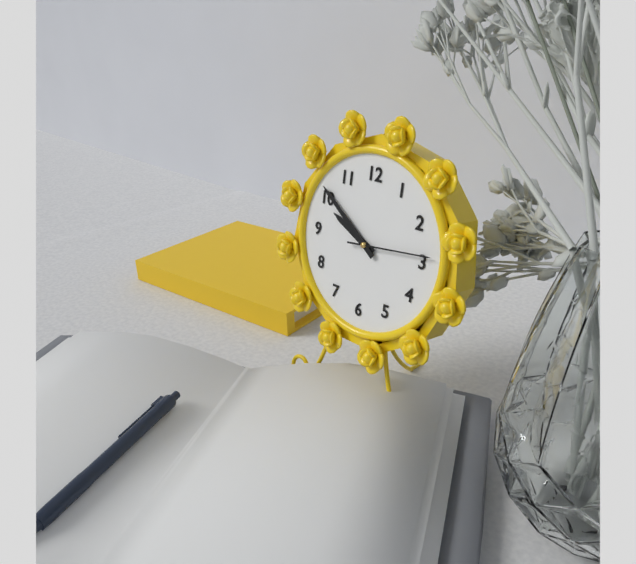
9:51:14
